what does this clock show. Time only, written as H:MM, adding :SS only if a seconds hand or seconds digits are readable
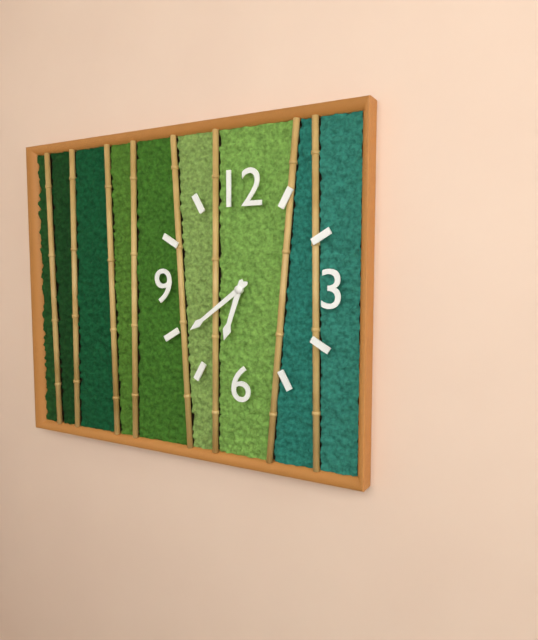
6:39
